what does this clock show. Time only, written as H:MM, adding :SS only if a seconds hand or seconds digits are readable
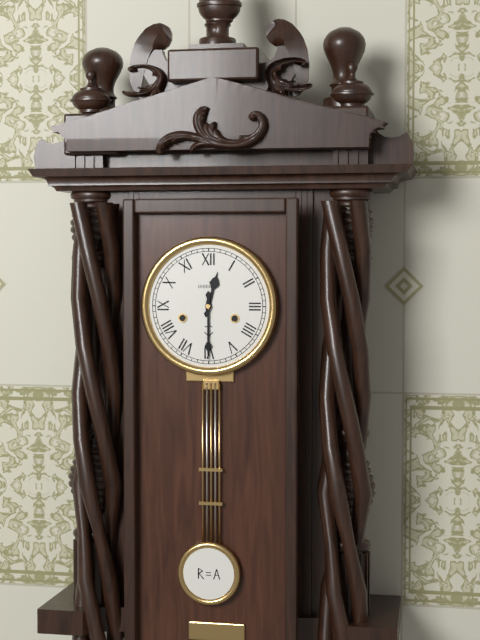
12:30
